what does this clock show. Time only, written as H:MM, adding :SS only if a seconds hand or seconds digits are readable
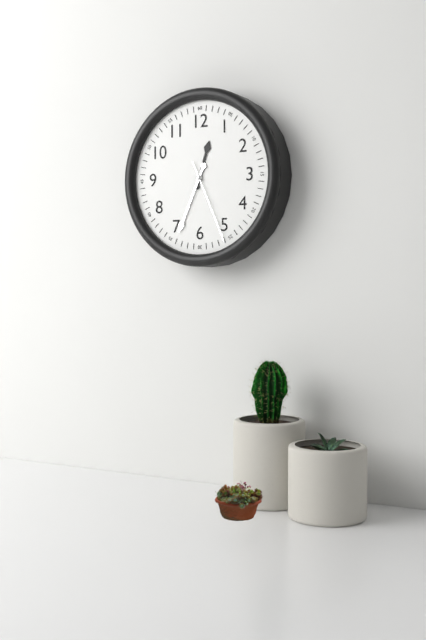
12:34:26
